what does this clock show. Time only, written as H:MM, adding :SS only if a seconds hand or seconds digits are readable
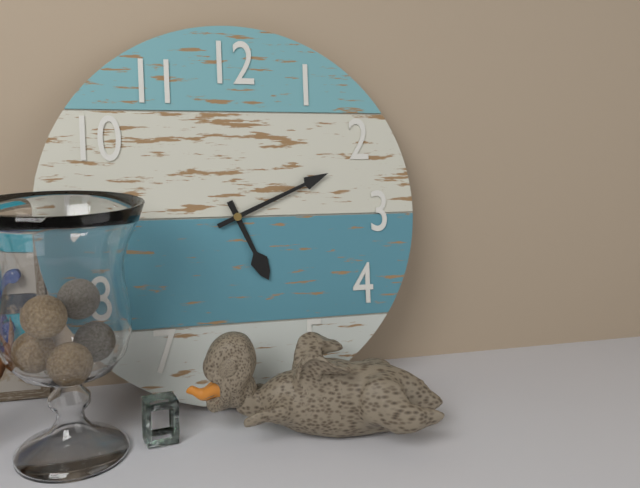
5:11
